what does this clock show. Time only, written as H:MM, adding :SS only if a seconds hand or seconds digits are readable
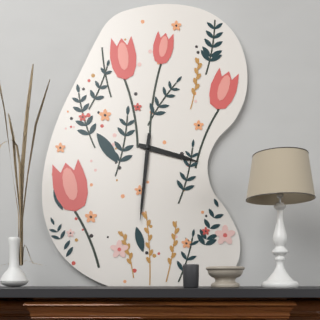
3:31
